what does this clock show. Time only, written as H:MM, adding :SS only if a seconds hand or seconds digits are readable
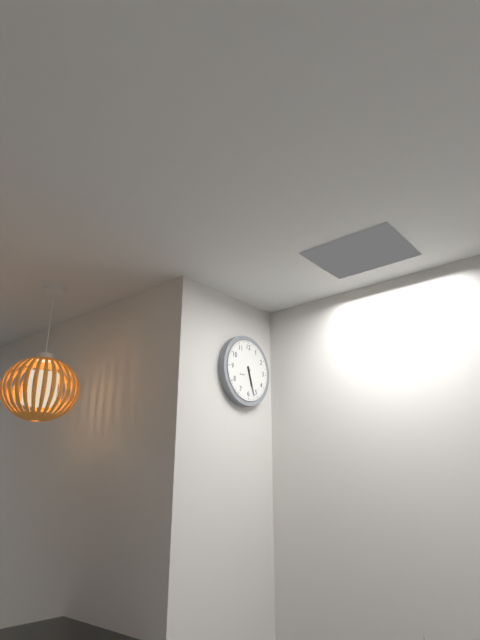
5:27
